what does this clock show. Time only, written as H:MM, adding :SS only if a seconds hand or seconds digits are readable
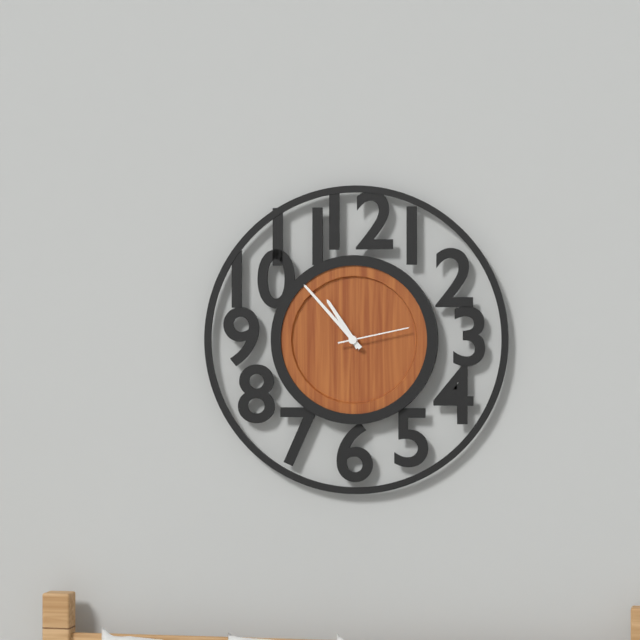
10:53:13
